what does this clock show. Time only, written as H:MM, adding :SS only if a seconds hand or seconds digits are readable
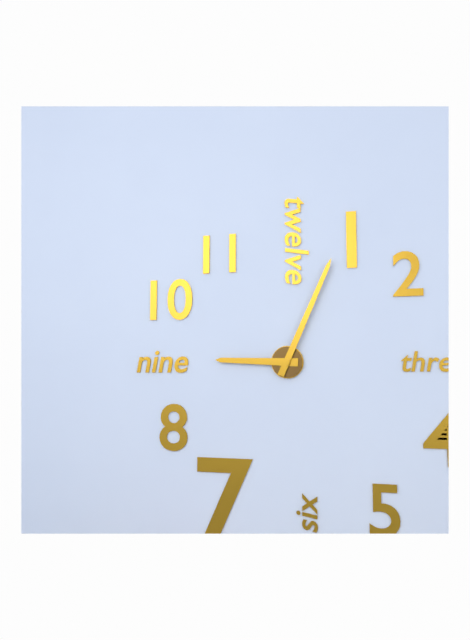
9:04
